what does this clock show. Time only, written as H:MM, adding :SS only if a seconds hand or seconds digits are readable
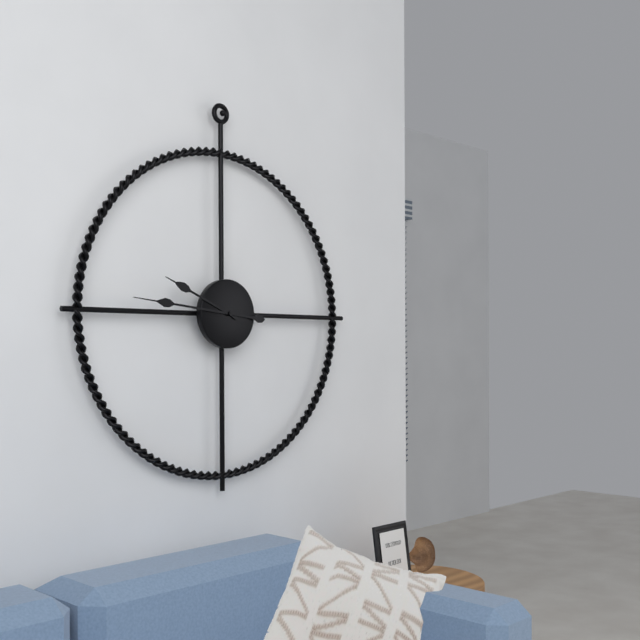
9:46
